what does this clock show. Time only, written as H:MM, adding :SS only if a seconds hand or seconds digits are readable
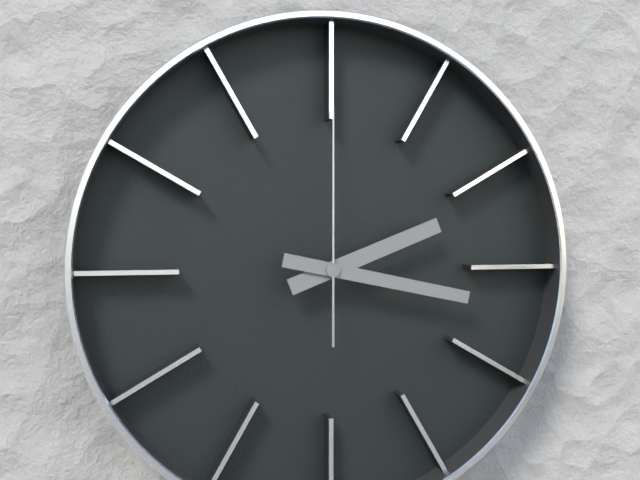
2:17:00
